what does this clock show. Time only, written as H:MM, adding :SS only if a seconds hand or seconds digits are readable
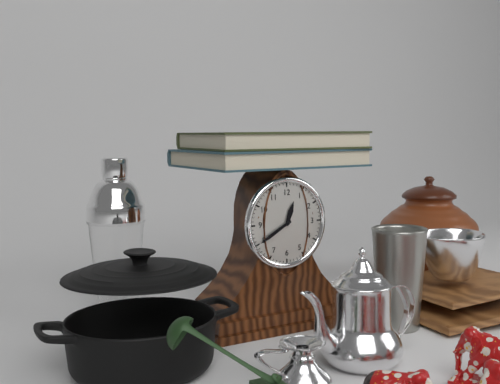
12:40
